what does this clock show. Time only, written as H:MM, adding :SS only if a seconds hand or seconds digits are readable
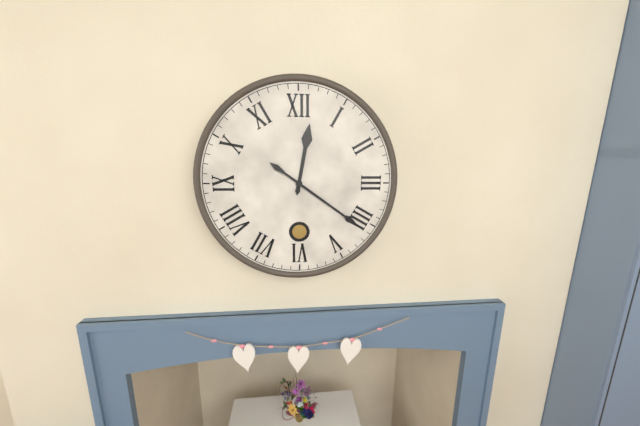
12:21
